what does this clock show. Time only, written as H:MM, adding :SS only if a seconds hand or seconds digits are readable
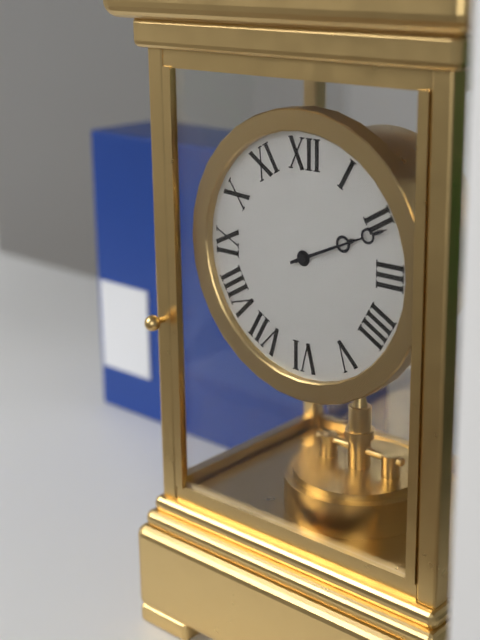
2:11
